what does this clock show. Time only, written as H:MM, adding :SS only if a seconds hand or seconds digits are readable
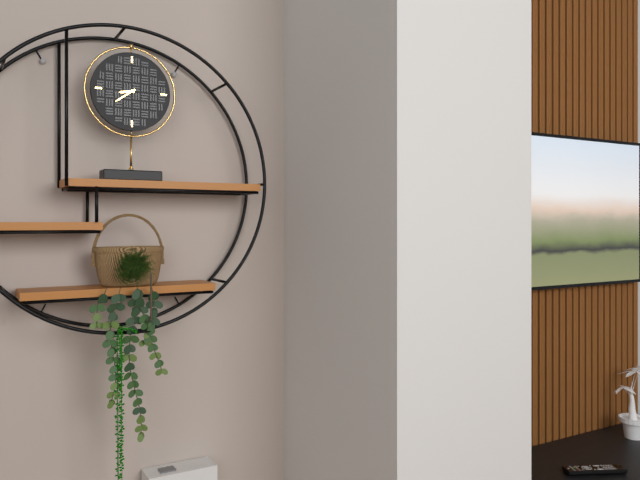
8:39
